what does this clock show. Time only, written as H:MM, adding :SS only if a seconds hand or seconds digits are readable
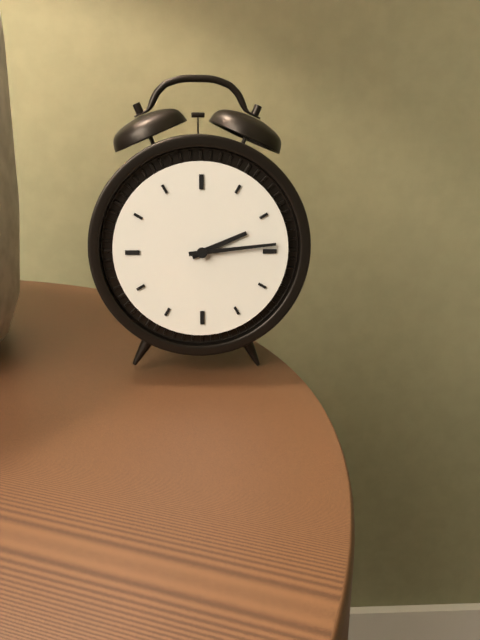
2:14
